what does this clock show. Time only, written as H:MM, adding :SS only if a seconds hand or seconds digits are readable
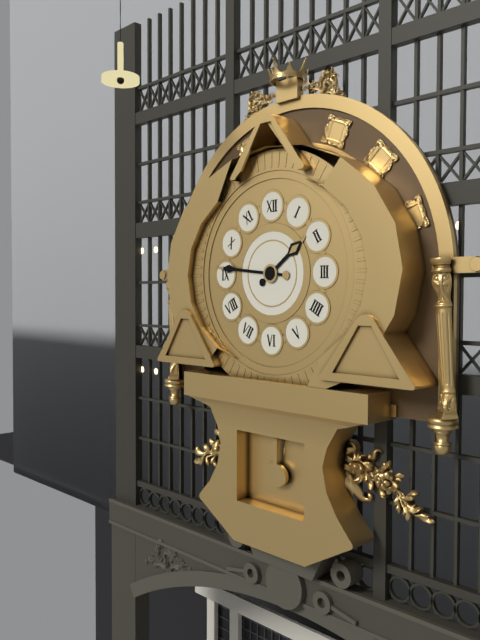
1:46
